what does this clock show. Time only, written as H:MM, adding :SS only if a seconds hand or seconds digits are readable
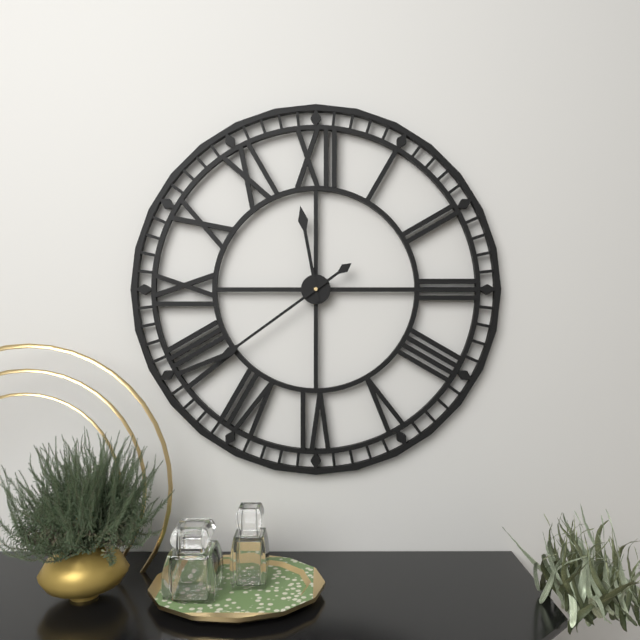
11:39
